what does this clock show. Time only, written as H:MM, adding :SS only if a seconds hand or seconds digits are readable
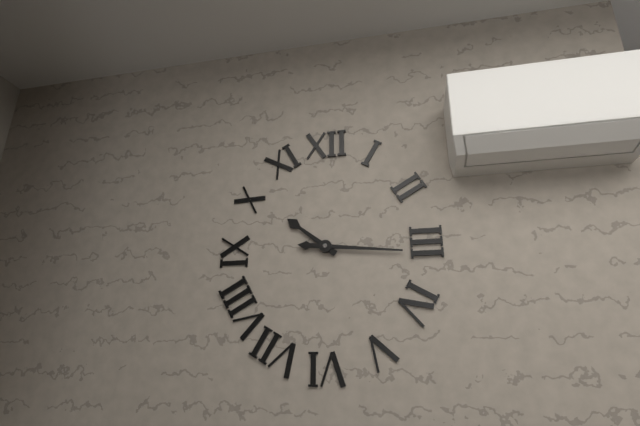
10:16
